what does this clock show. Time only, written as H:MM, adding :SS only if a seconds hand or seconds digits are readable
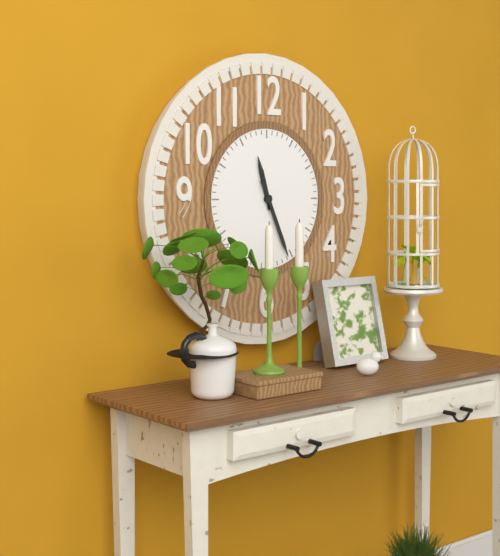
11:26
